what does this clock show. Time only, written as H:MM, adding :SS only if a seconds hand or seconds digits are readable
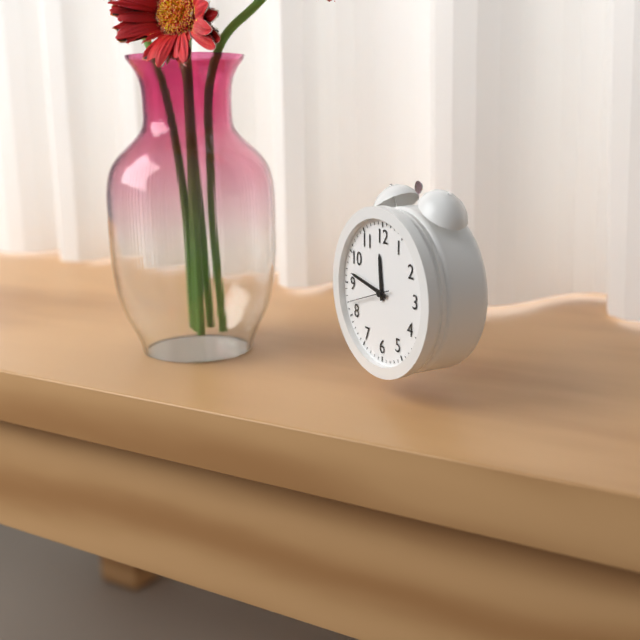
11:47
